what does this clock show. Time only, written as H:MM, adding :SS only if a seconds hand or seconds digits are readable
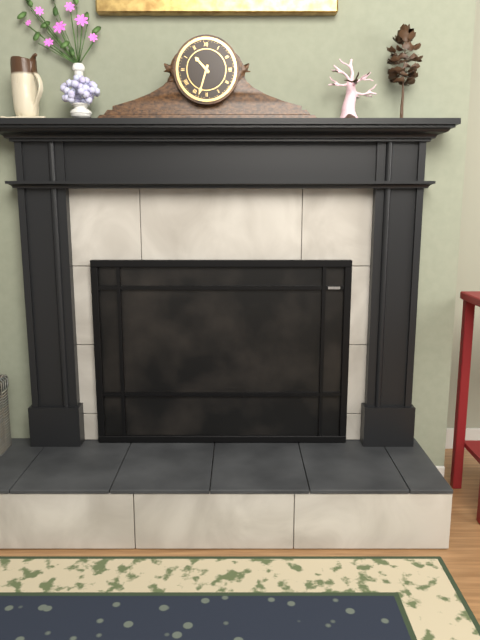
10:33
